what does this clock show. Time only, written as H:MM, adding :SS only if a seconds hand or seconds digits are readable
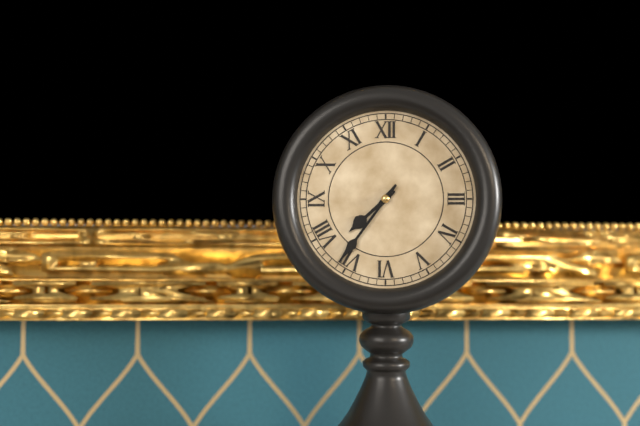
7:36
